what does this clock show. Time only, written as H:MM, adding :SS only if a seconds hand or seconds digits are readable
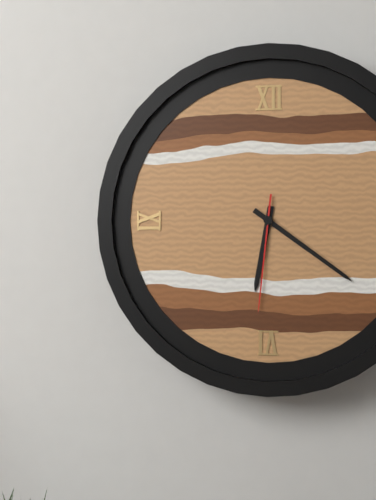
6:21:31
